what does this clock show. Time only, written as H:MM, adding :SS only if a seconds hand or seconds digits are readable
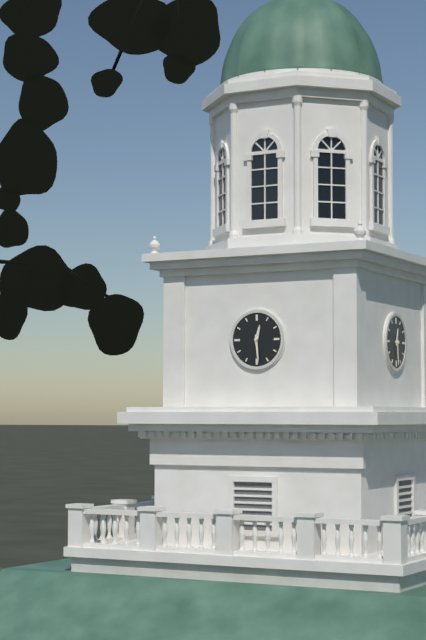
12:29
